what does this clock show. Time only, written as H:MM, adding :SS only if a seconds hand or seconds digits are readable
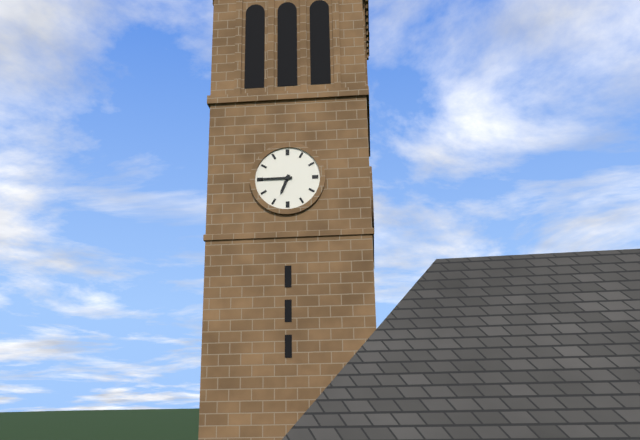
6:45
